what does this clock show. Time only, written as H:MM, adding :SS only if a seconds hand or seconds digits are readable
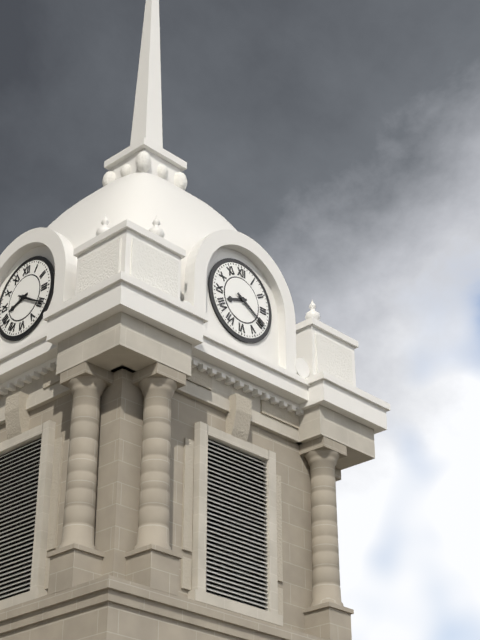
8:20
